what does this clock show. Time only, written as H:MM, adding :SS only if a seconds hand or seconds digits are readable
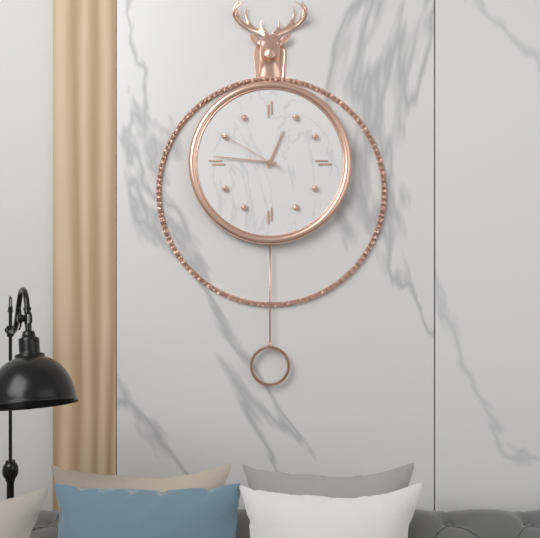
12:46:50
